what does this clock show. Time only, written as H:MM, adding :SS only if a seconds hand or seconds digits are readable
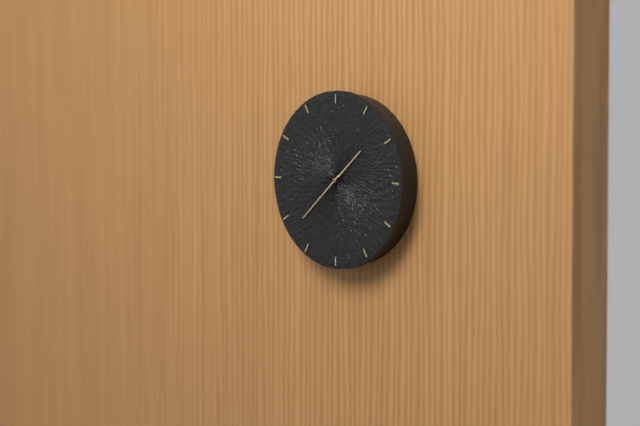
1:38
